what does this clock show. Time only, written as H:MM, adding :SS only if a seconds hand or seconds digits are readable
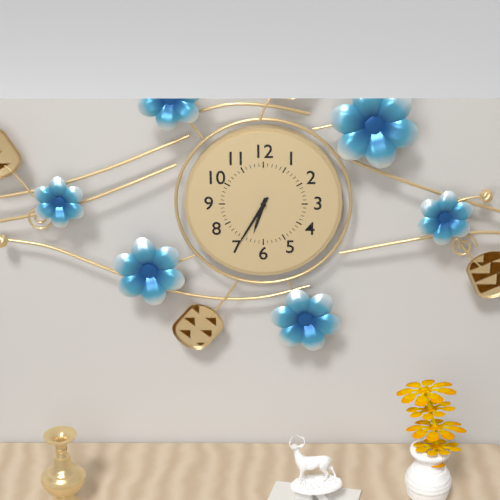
6:35
